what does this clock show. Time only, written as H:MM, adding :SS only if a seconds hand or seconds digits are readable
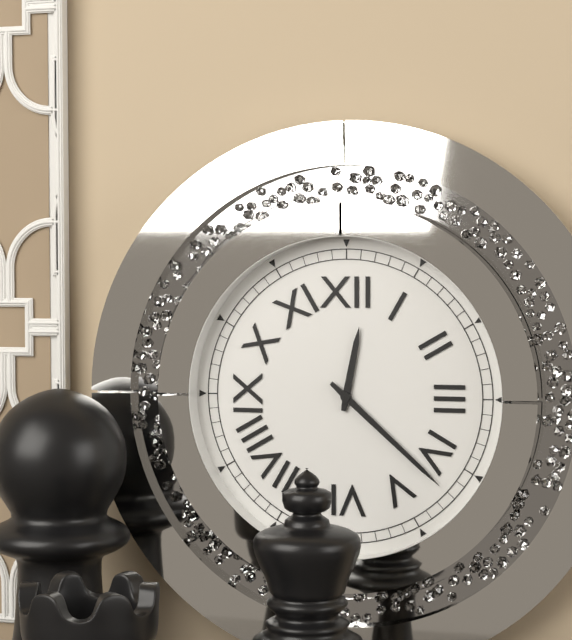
12:22
